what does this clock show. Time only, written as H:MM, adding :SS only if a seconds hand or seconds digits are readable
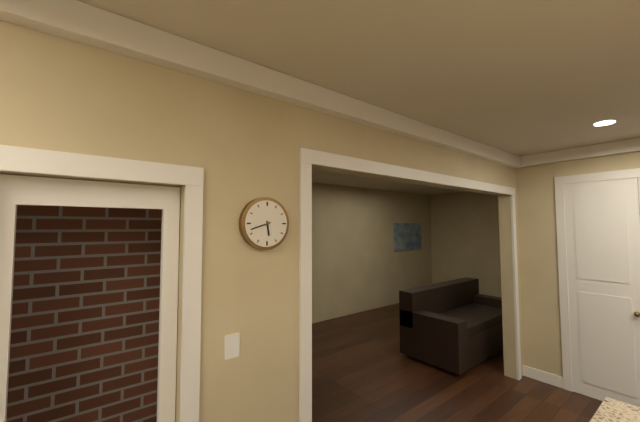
5:42
